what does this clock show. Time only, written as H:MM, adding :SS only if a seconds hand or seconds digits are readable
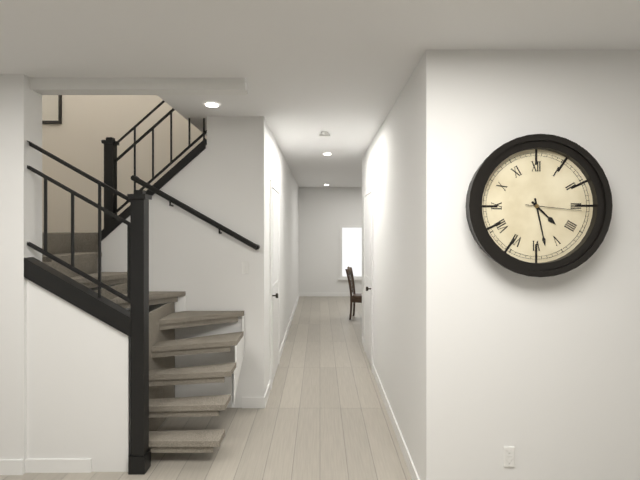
4:28:16
